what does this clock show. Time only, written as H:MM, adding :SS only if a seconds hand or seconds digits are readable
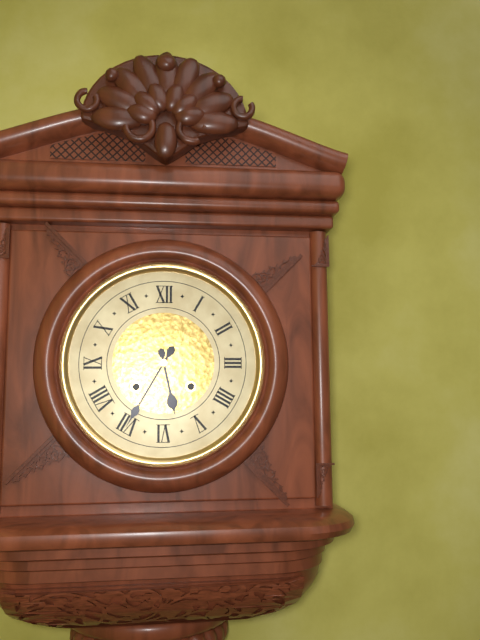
5:35
